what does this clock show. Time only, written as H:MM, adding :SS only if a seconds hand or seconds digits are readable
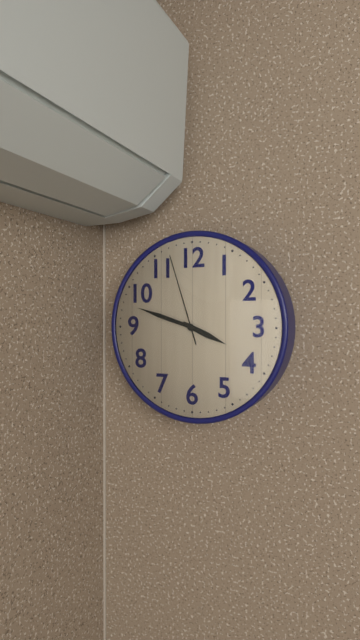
3:48:57
